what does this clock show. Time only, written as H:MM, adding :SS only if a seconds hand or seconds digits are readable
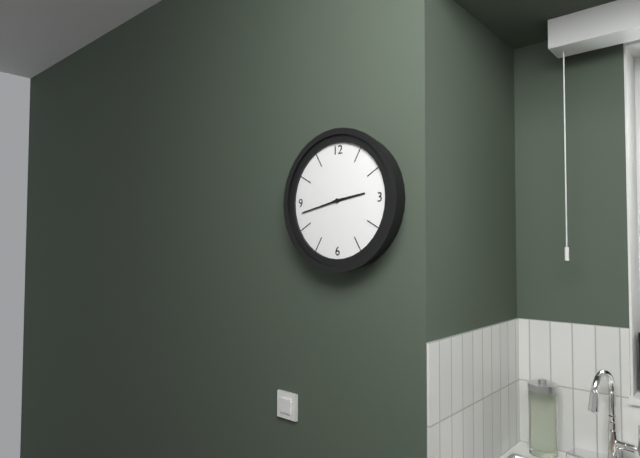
2:43
